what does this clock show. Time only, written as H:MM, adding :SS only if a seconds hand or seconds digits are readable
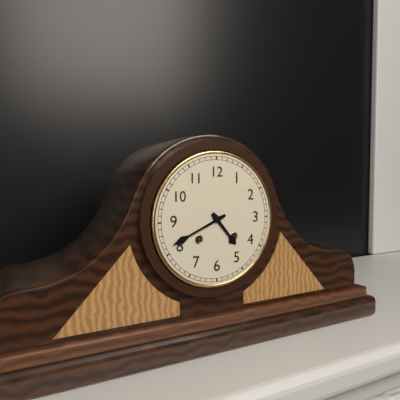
4:41
